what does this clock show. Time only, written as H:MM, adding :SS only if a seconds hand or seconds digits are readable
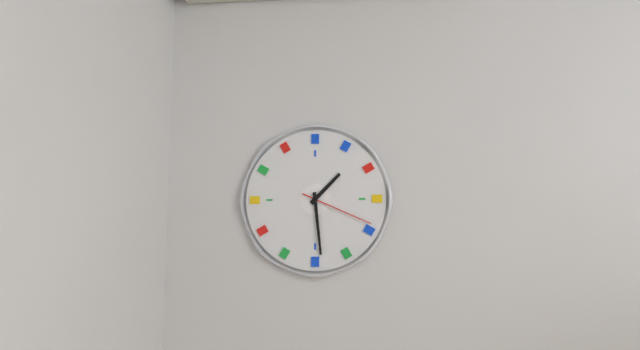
1:29:19
